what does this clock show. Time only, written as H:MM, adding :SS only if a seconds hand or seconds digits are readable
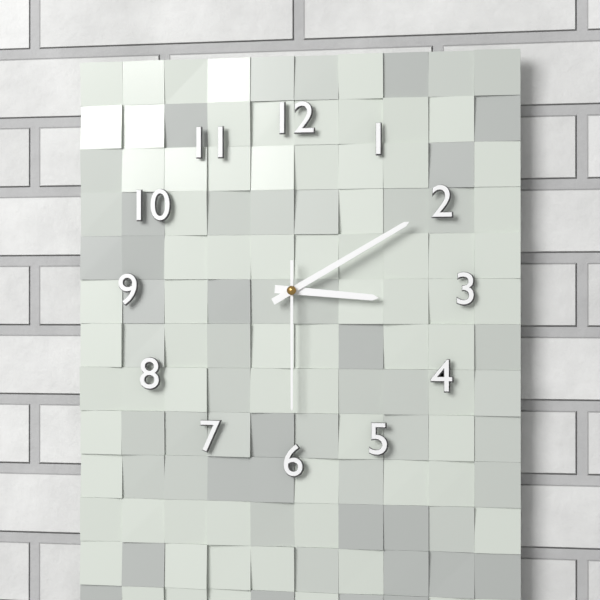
3:10:30
